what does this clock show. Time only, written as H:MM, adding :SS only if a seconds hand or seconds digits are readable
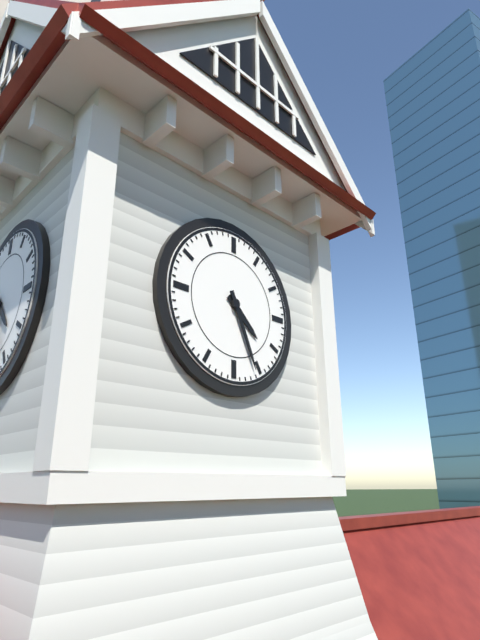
4:26
